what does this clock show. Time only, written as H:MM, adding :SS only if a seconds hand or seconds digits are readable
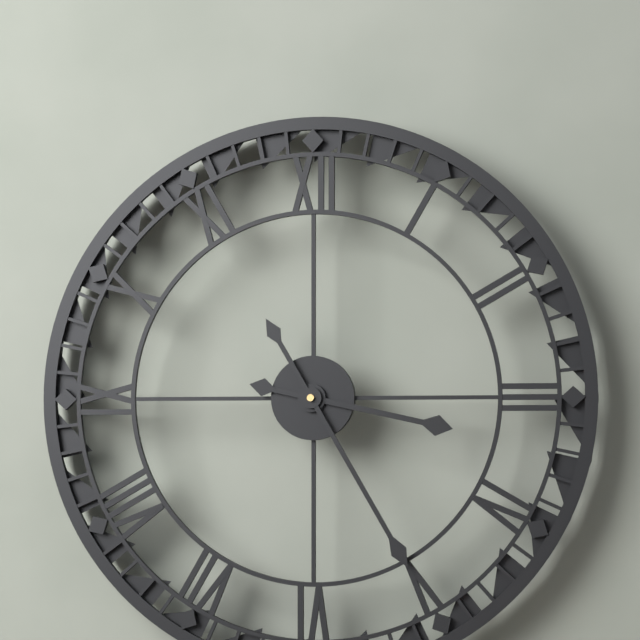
3:25
